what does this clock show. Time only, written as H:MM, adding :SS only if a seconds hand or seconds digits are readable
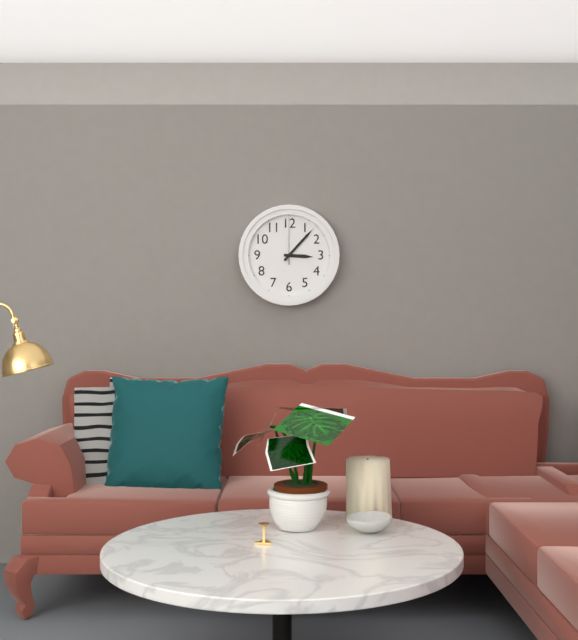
3:07
